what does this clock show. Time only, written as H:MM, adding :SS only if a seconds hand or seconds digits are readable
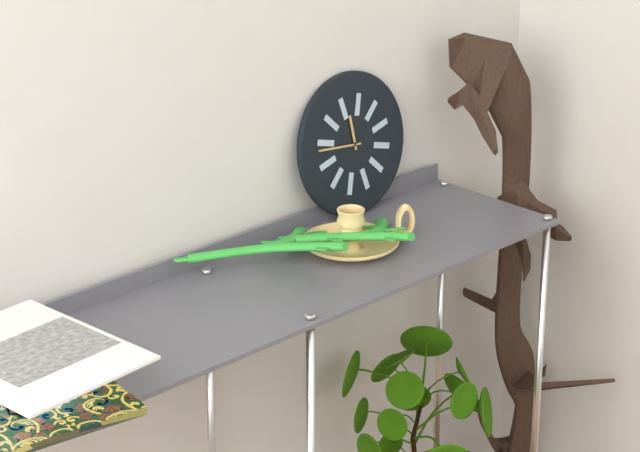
11:46
